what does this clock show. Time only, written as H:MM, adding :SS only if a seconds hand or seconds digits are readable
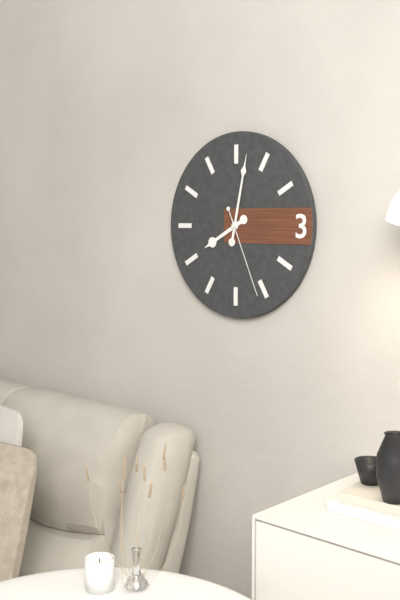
8:02:26
